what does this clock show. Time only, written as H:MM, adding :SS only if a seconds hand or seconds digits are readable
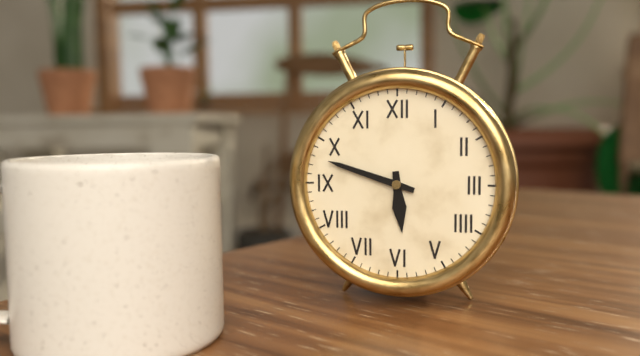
5:48
